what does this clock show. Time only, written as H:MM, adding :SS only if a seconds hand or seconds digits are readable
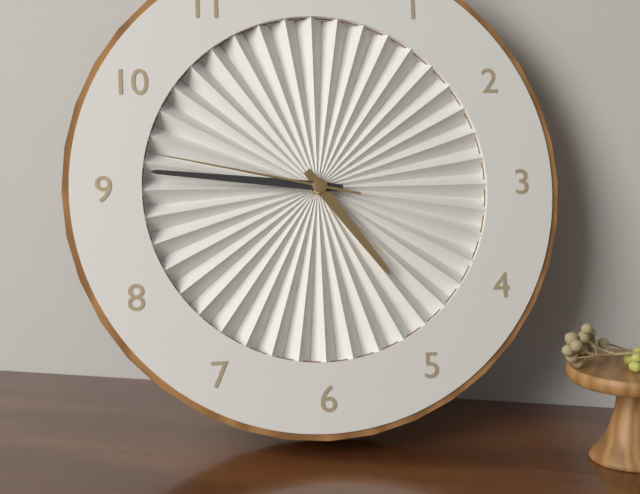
4:46:47
